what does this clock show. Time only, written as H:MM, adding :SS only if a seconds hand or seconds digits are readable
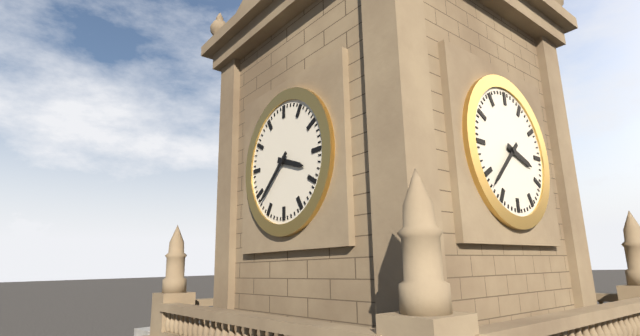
3:38
